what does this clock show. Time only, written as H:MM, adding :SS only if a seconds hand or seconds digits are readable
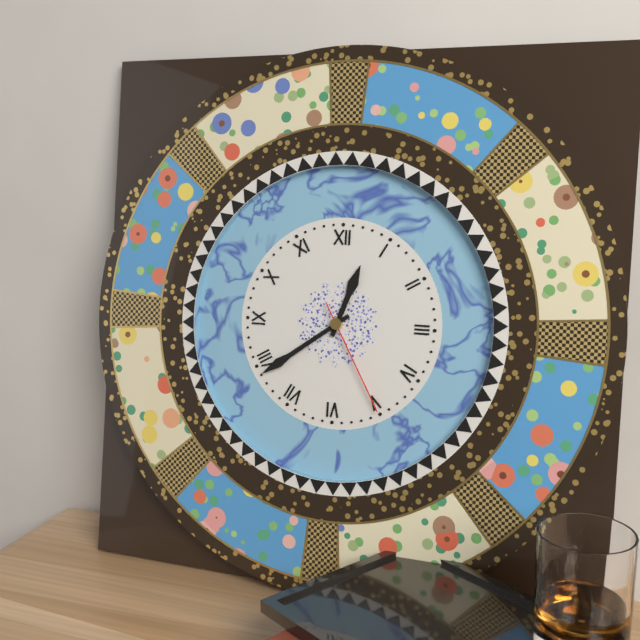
12:39:25
